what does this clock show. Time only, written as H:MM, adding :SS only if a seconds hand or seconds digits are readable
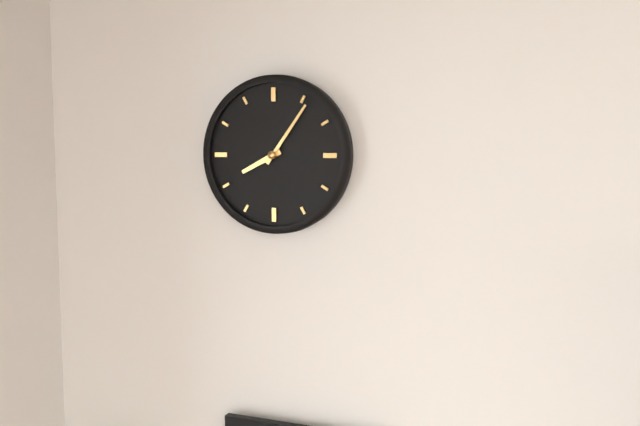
8:06
